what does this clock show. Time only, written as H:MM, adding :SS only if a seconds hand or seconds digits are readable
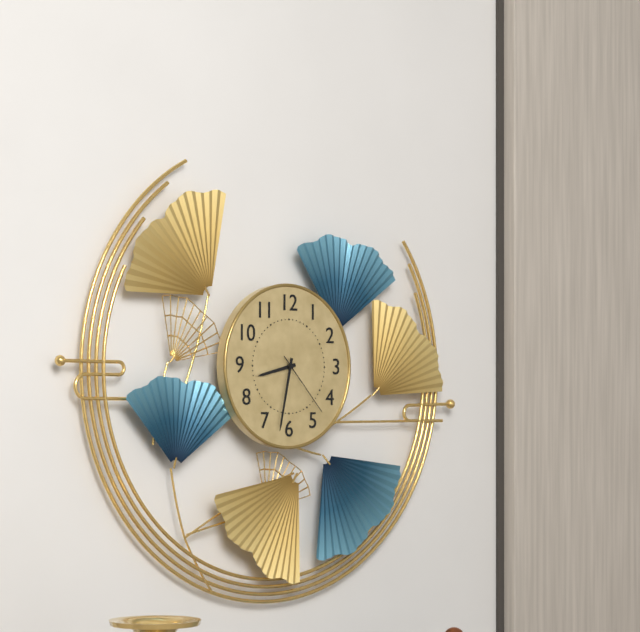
8:32:23
